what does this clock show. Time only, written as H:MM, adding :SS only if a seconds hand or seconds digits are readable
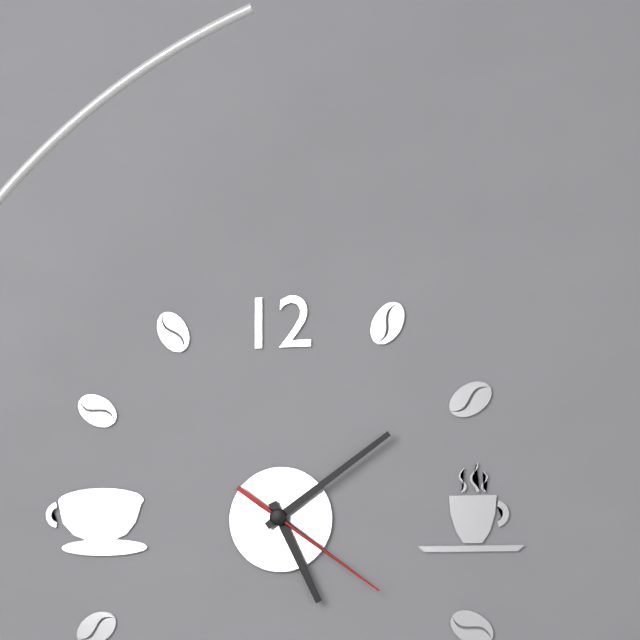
5:09:21
